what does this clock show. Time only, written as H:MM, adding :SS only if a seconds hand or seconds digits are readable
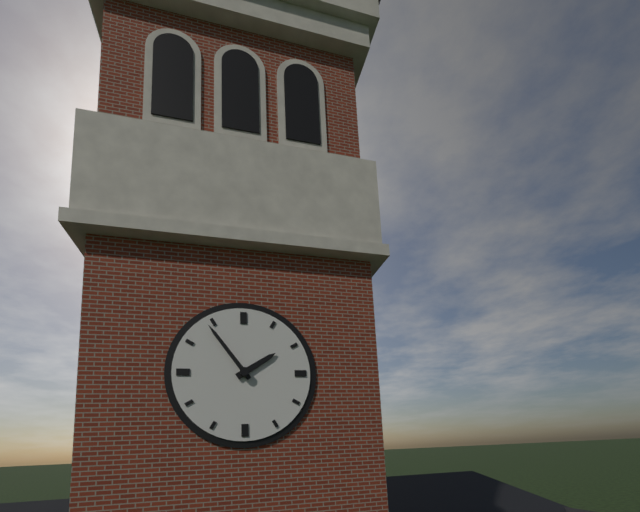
1:54
